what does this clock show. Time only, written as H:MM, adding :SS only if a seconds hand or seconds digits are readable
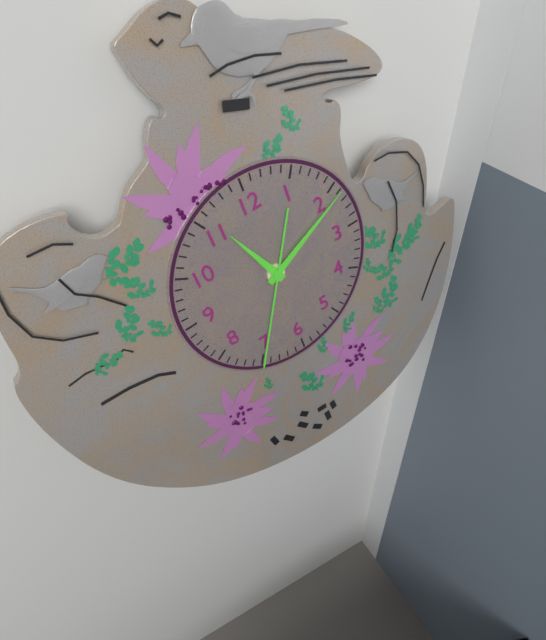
11:11:35
